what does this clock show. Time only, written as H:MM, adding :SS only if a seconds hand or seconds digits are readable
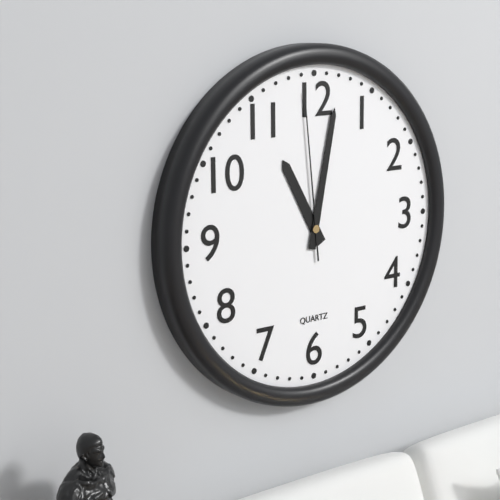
11:02:59
